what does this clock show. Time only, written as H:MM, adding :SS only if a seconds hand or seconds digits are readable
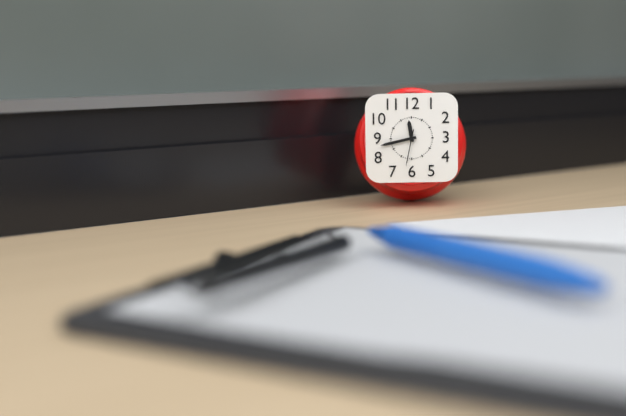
11:43
